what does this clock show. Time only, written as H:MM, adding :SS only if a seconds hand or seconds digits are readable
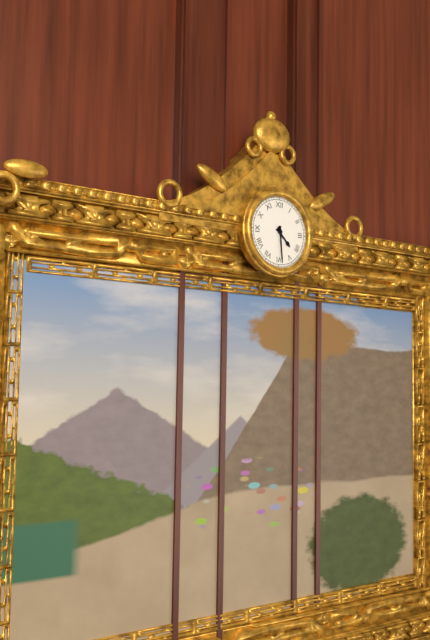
4:29
